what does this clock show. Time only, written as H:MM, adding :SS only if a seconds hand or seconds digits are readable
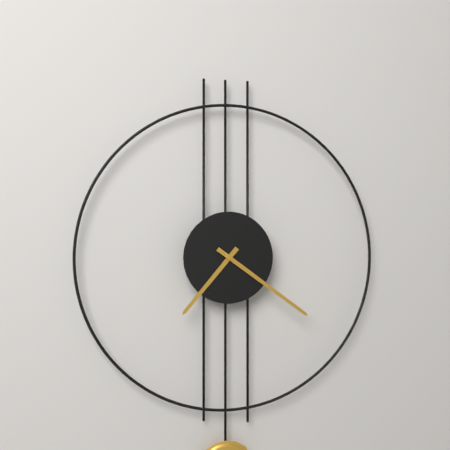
7:21
